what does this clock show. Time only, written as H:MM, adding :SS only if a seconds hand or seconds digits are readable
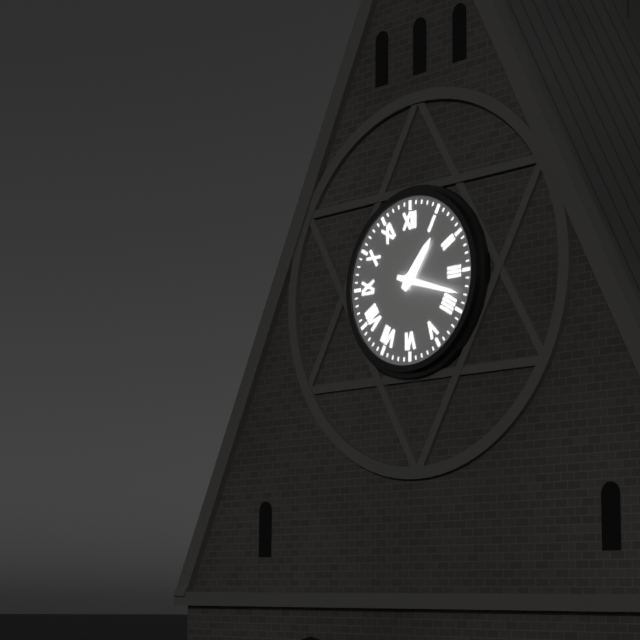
1:18
